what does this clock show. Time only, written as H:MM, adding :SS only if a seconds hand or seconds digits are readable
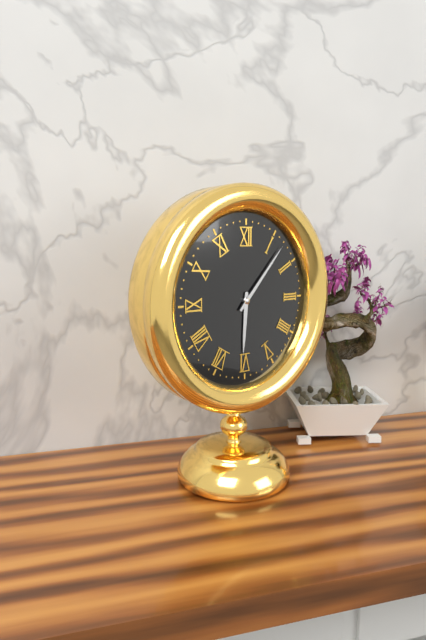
6:07
